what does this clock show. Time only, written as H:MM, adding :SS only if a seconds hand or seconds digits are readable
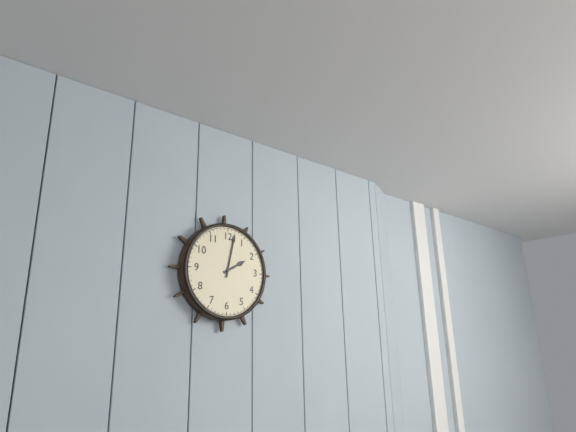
2:02
